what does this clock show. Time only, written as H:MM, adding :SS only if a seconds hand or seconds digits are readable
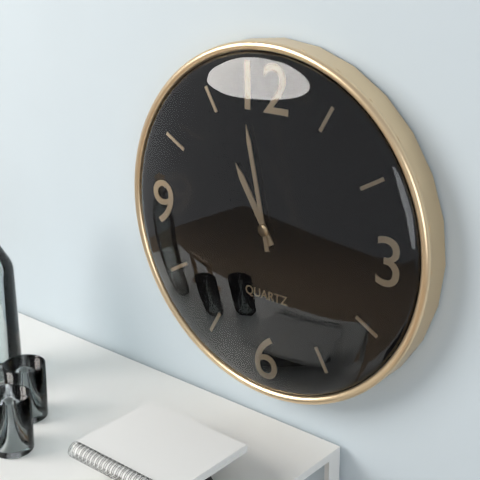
10:58
